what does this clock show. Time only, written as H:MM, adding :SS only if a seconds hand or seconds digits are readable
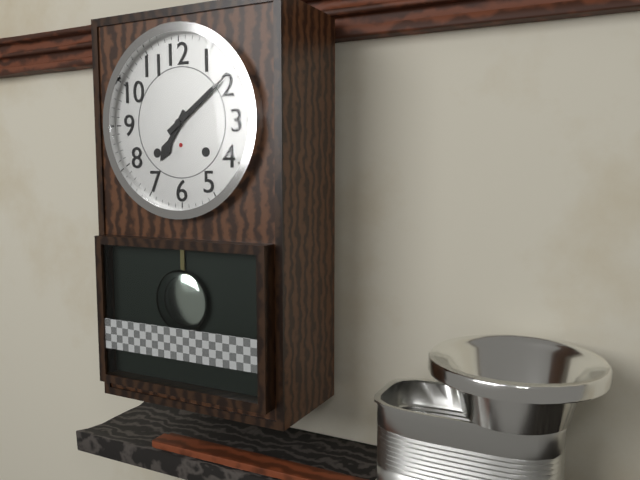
7:09
